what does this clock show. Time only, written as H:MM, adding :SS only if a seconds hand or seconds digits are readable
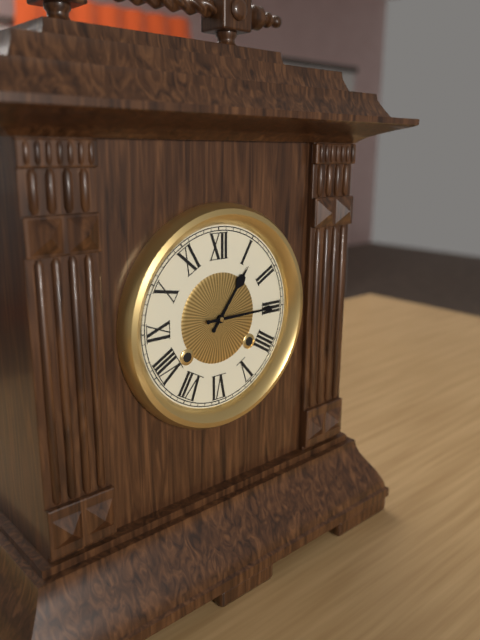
1:15
